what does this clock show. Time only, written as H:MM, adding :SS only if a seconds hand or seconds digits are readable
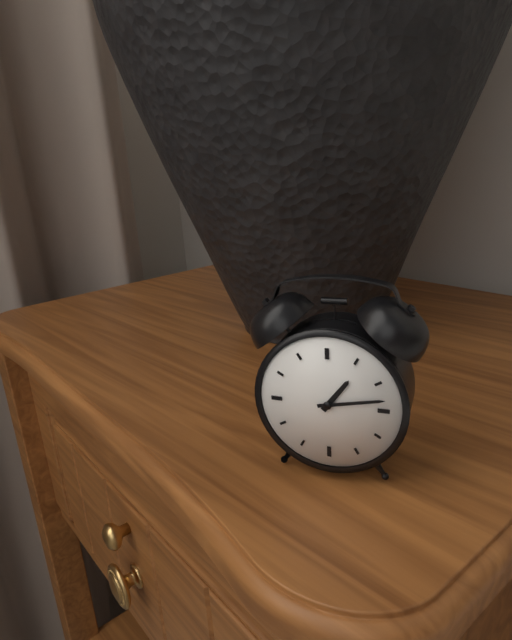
1:13
